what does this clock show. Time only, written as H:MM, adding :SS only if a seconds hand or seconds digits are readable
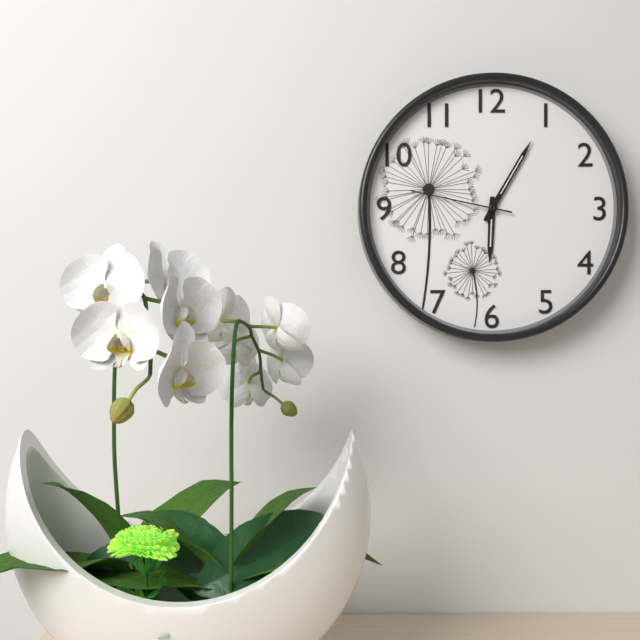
6:05:47
